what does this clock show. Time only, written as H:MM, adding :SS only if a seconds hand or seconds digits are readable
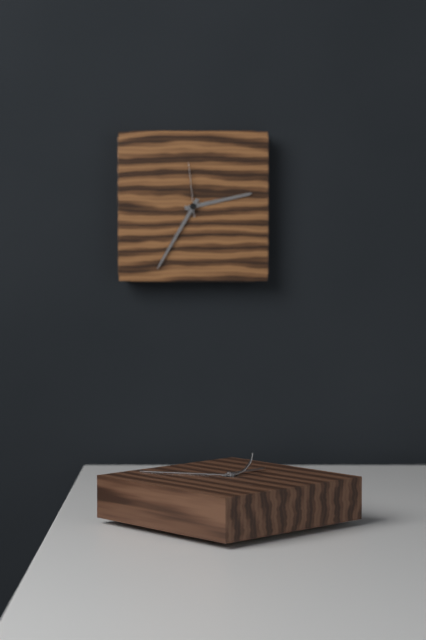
2:35:59
